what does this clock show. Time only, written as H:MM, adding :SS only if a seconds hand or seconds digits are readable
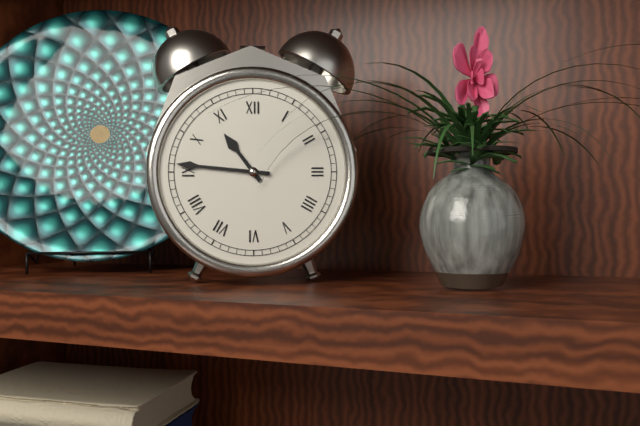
10:46
